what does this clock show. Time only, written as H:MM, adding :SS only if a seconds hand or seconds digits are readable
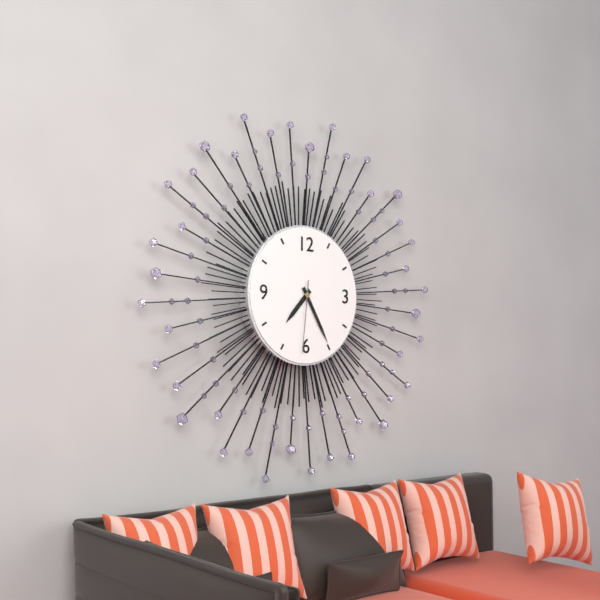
7:25:31
